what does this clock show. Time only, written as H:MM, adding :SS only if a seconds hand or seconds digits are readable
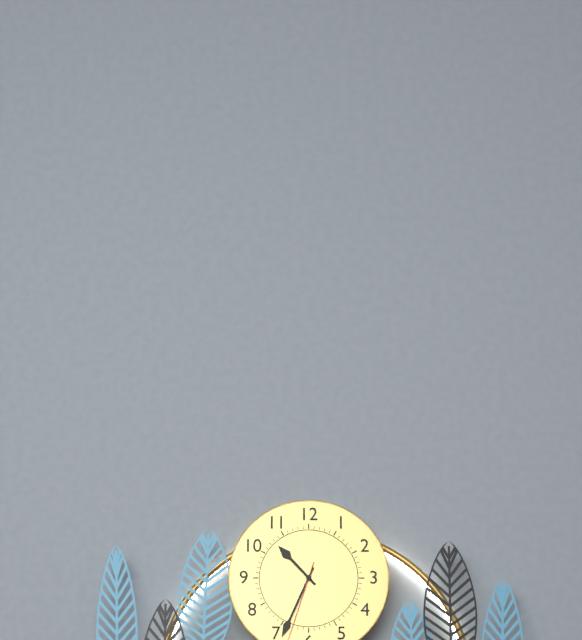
10:34
